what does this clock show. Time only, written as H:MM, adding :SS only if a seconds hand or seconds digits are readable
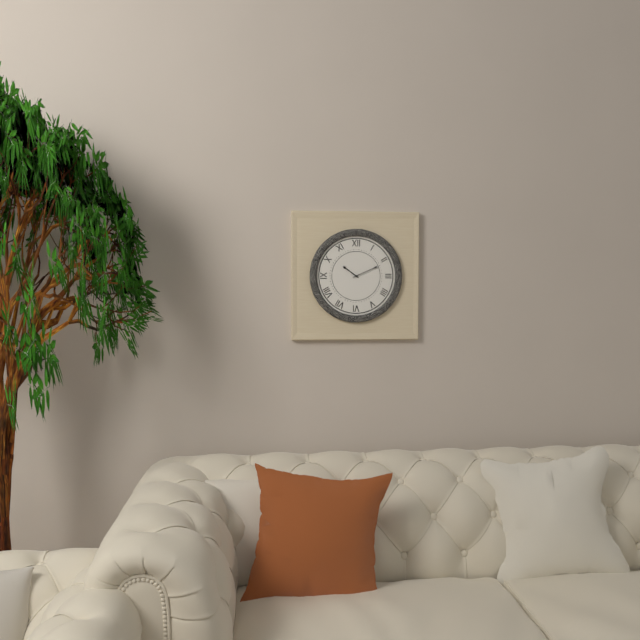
10:11
